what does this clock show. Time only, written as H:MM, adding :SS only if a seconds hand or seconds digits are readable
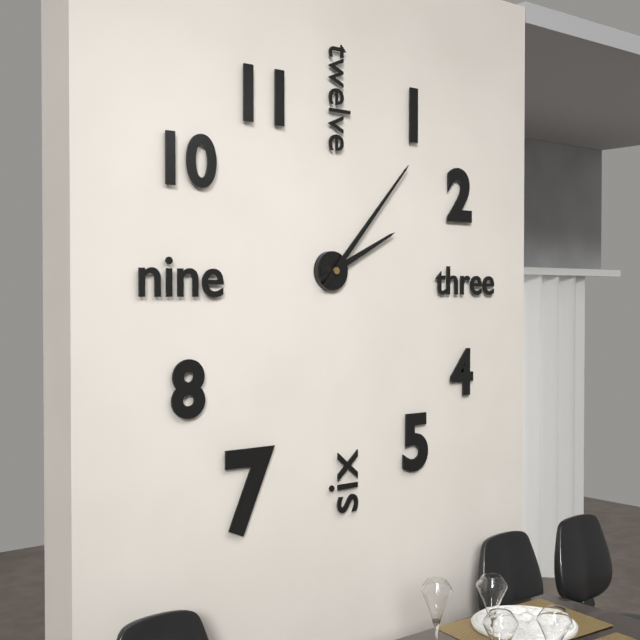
2:07
